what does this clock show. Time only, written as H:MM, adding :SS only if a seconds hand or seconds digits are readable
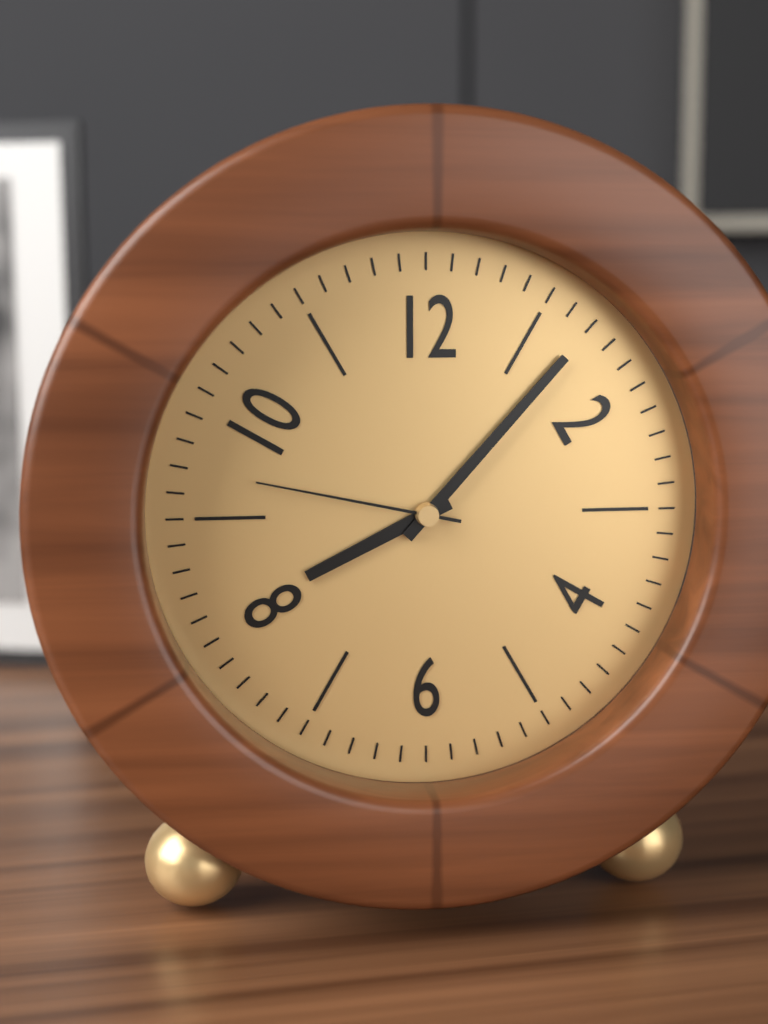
8:07:47
